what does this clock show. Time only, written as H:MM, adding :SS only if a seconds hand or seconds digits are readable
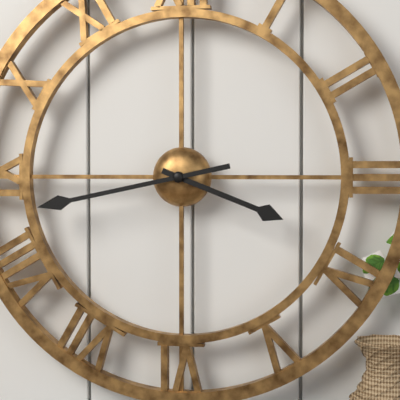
3:43
